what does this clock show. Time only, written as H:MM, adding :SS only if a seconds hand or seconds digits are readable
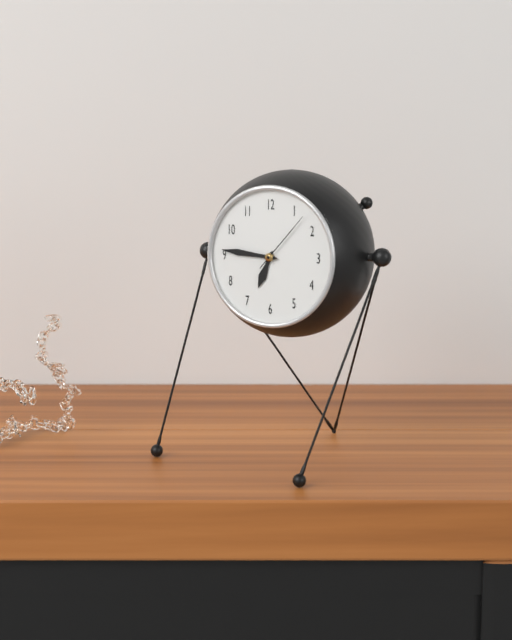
6:46:07
